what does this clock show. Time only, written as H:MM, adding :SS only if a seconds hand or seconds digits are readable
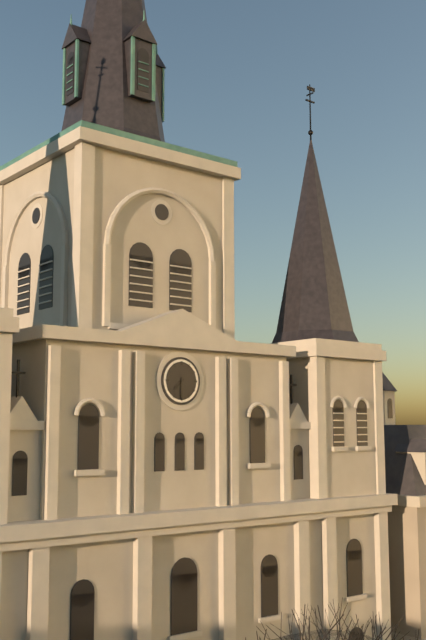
7:30
